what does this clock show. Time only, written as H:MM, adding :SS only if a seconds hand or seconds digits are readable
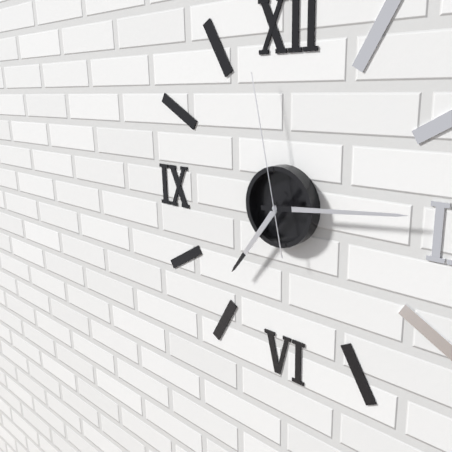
7:14:58
